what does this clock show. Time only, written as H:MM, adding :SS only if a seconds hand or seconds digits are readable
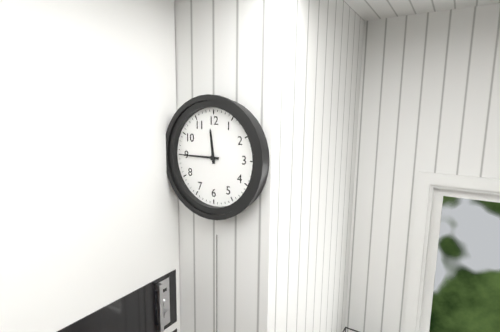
11:45
